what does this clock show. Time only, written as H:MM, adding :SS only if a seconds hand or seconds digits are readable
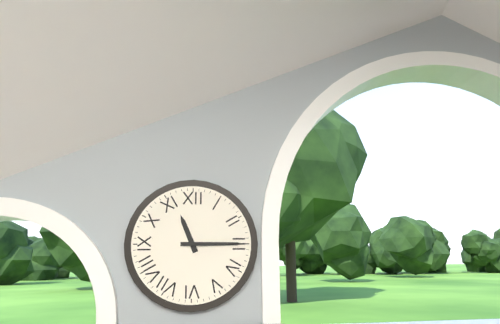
11:15
